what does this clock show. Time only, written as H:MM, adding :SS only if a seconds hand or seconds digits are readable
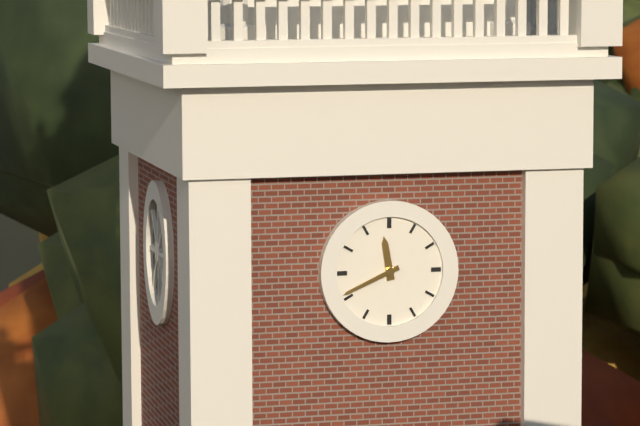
11:41
